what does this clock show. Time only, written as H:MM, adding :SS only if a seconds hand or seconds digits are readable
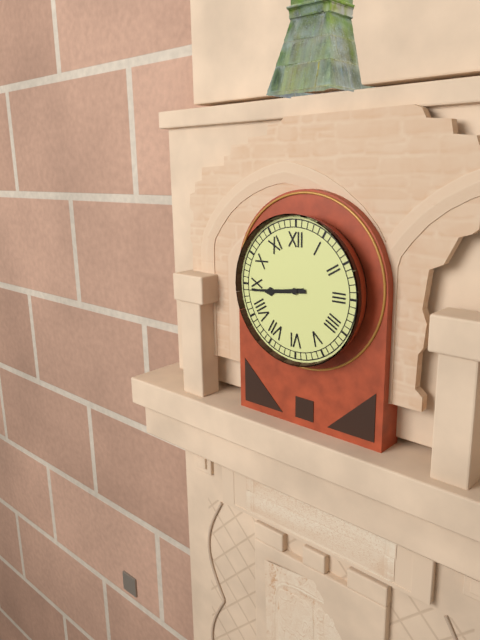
8:44
